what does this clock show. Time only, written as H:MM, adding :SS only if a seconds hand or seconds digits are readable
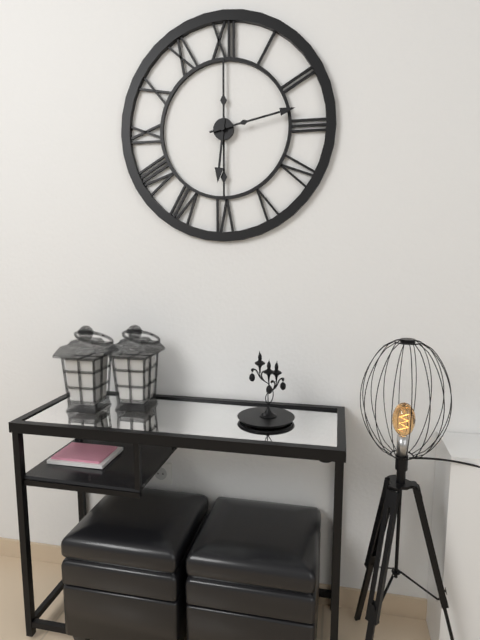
6:13
